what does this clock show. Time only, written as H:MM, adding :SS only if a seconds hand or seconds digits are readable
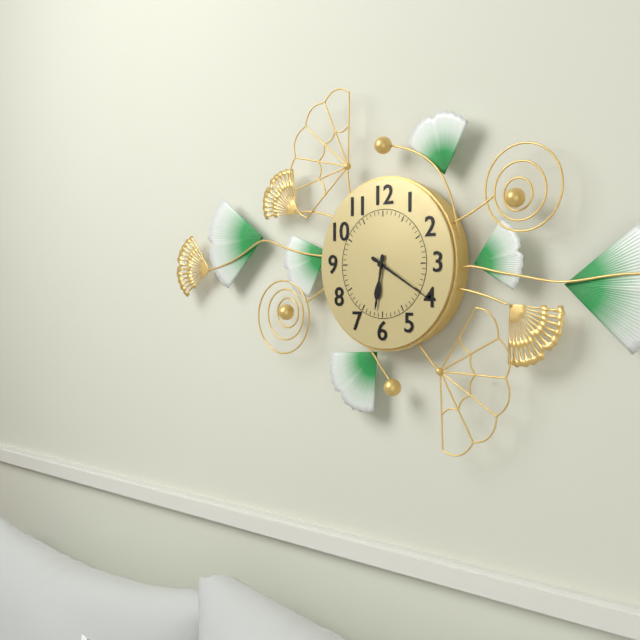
6:20
